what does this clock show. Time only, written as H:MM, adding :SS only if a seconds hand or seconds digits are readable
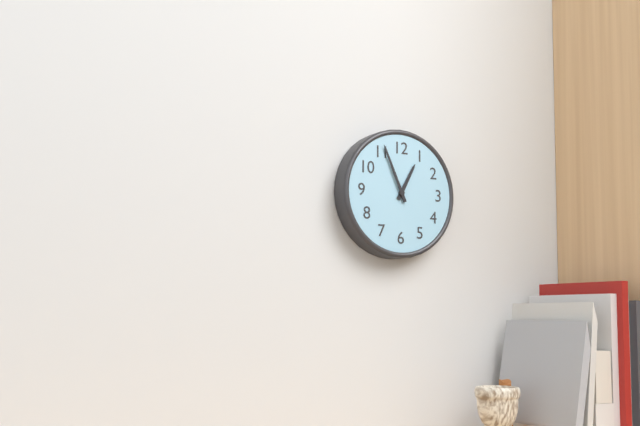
12:56
